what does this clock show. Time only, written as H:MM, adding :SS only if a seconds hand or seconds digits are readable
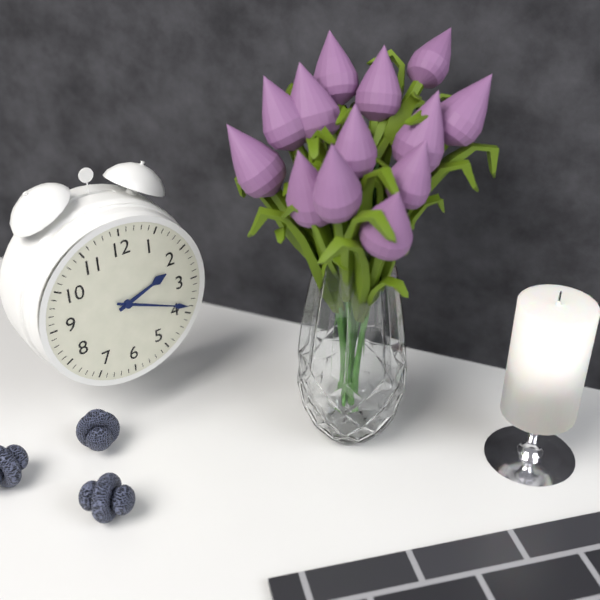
2:19
